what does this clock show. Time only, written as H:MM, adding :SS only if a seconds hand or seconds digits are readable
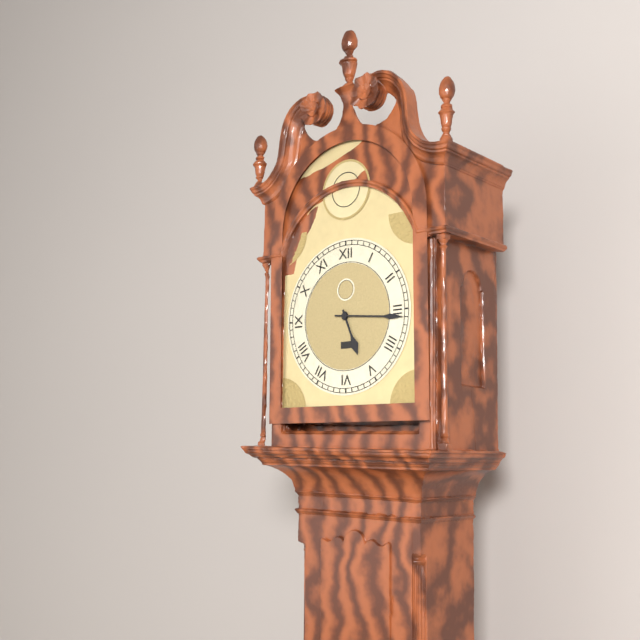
5:16
